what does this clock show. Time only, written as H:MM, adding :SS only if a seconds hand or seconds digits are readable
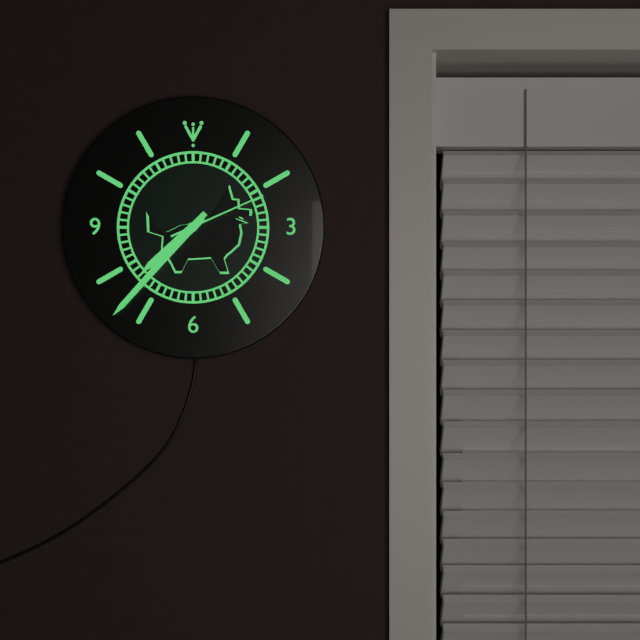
7:37:11
